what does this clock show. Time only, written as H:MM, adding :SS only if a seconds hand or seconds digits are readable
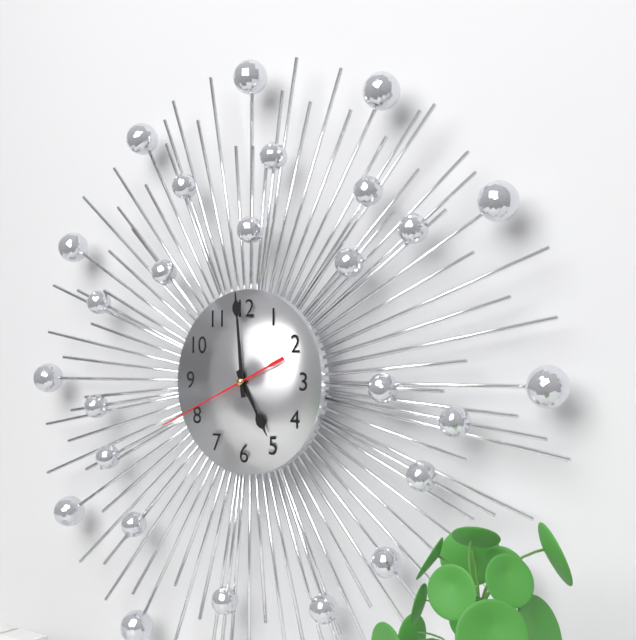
4:59:41
